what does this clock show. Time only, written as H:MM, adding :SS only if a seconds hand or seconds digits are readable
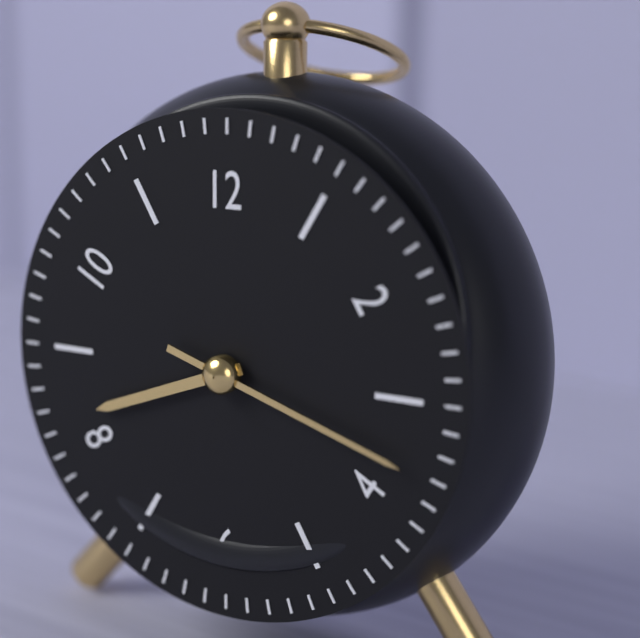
8:18
